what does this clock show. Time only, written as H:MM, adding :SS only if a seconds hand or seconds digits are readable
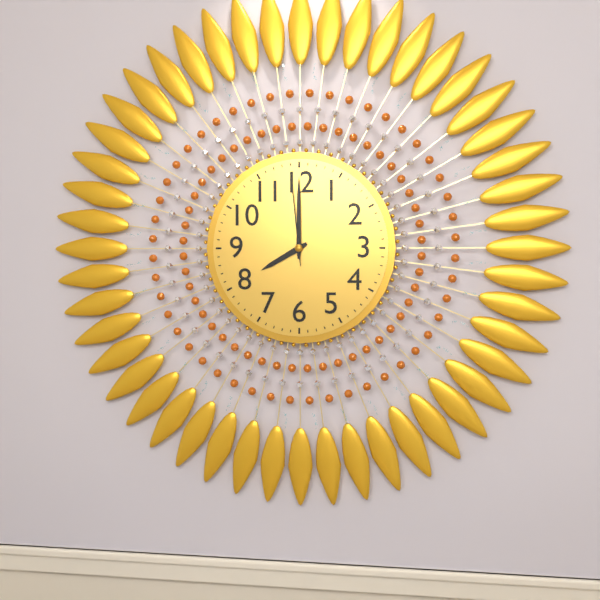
8:00:59
